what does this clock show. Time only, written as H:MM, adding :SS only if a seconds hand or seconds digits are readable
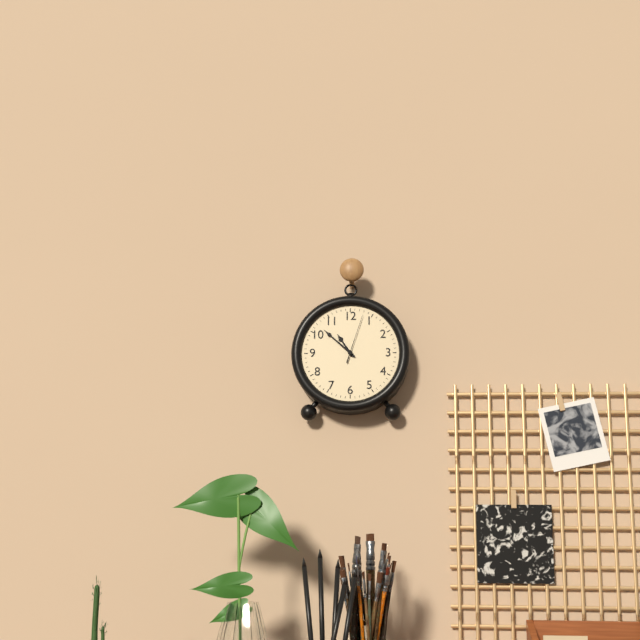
10:52:03
